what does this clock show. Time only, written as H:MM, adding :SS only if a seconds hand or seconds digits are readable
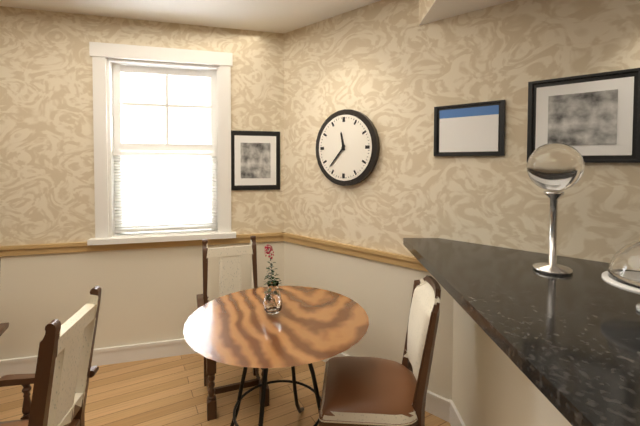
11:37
